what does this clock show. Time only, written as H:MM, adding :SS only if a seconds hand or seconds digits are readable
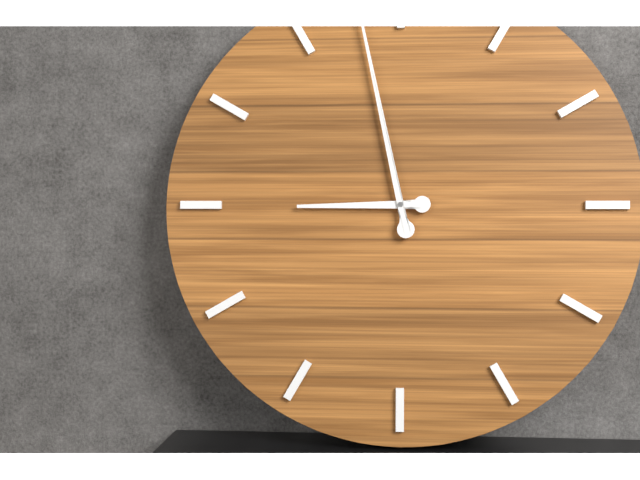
8:58
